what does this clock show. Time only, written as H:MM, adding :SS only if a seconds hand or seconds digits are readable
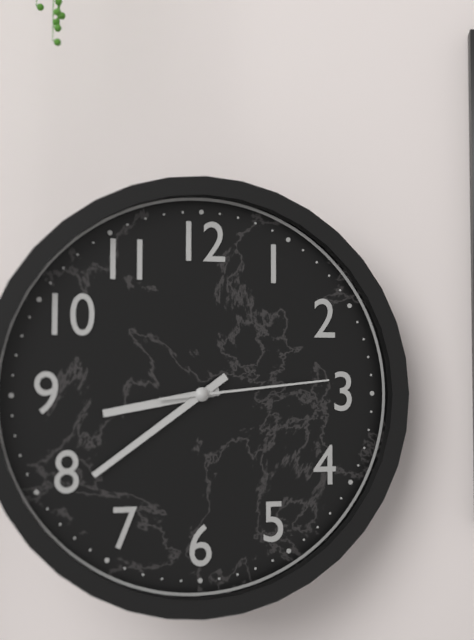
8:39:14
